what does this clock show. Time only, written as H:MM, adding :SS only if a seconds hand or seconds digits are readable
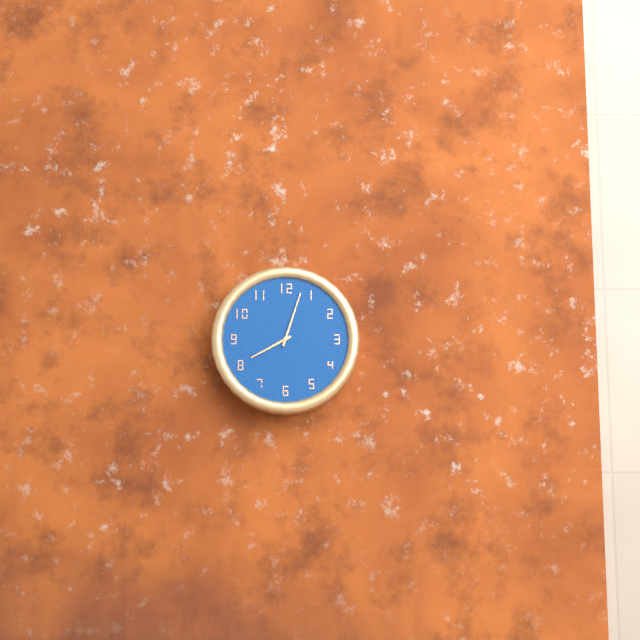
8:03
